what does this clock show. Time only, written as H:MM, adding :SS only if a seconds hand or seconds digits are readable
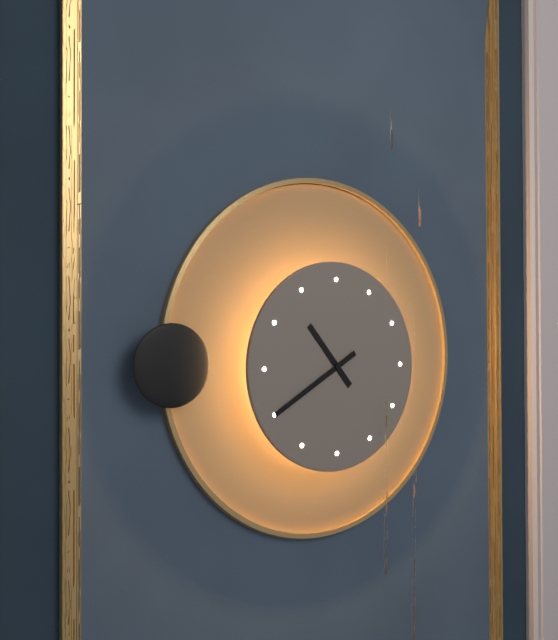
10:40
